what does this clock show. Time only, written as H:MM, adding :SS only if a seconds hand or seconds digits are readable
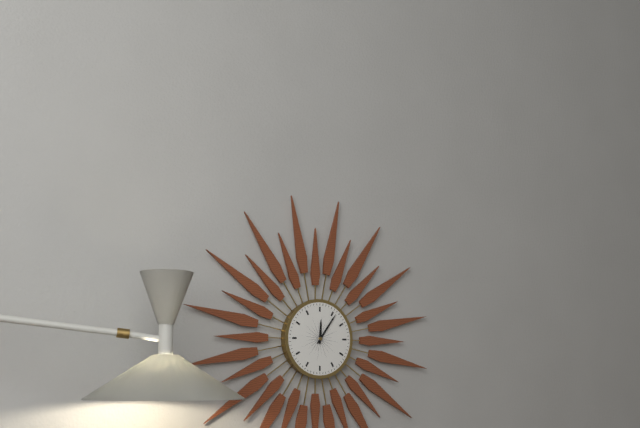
12:06
